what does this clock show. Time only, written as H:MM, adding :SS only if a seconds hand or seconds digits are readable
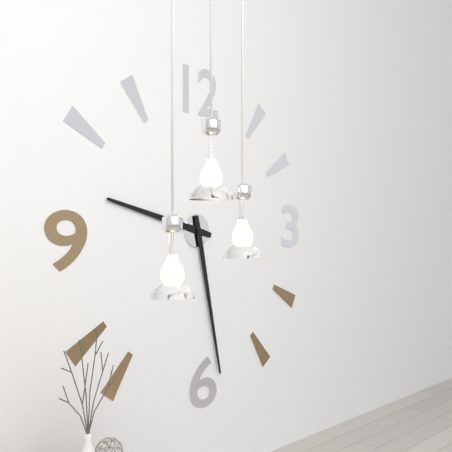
9:28
